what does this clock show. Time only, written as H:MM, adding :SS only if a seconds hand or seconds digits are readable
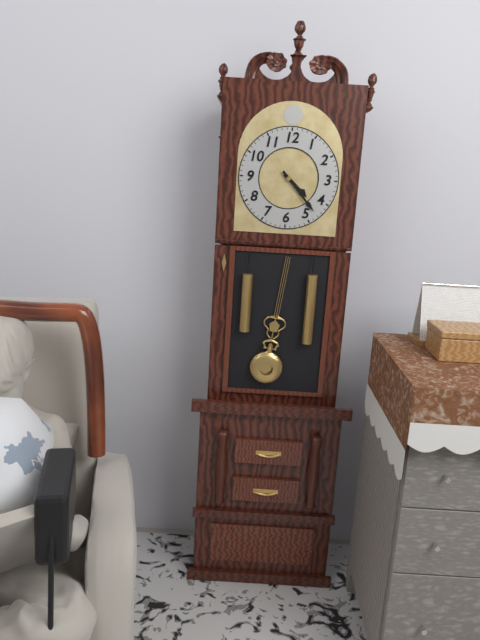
4:23
